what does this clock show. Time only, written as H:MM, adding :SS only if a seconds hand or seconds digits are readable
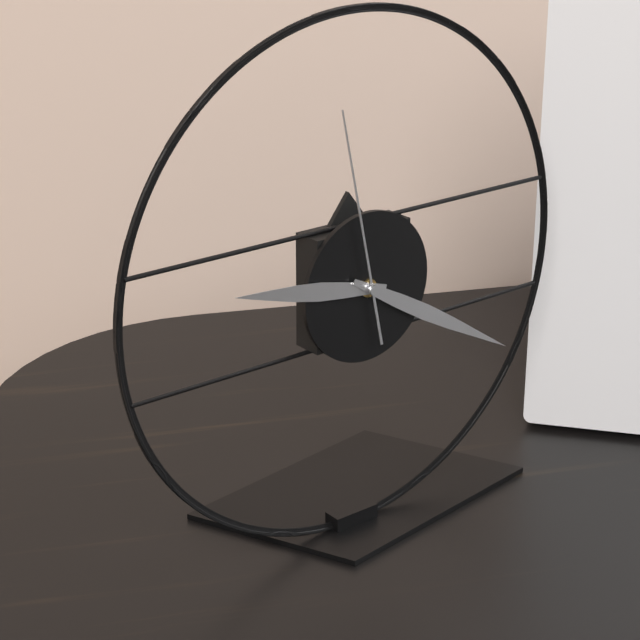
9:20:58
